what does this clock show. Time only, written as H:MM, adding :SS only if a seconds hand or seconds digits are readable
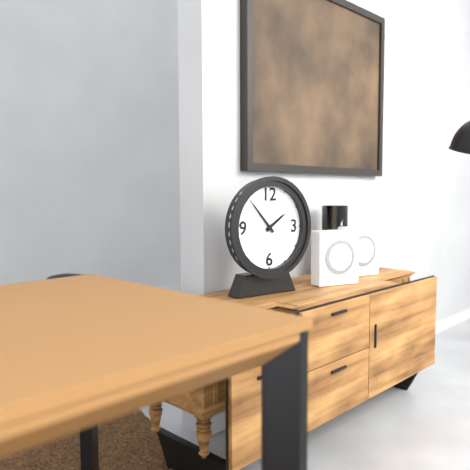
1:53
